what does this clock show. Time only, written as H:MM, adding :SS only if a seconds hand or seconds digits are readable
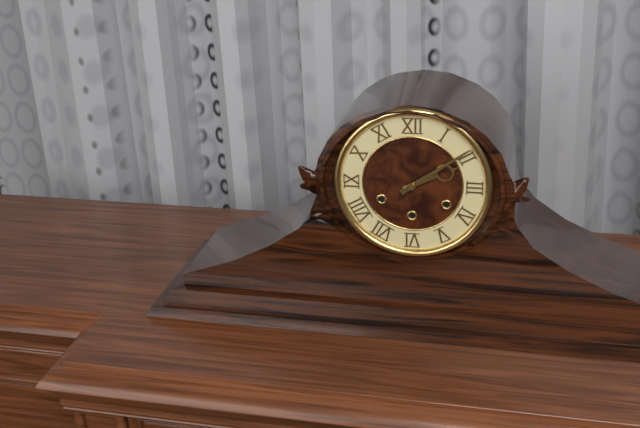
2:09
